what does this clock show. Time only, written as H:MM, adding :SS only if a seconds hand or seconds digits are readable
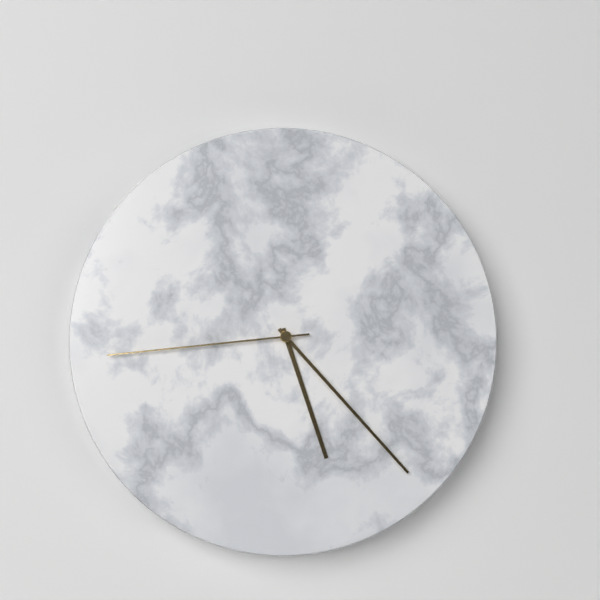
5:23:44
